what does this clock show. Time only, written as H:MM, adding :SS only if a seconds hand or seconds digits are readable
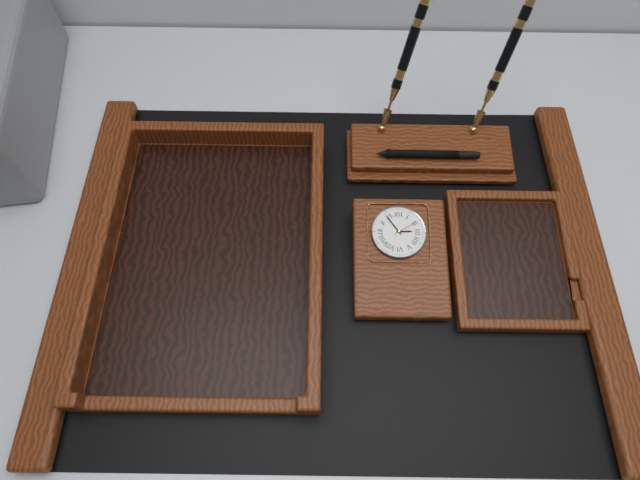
2:54
